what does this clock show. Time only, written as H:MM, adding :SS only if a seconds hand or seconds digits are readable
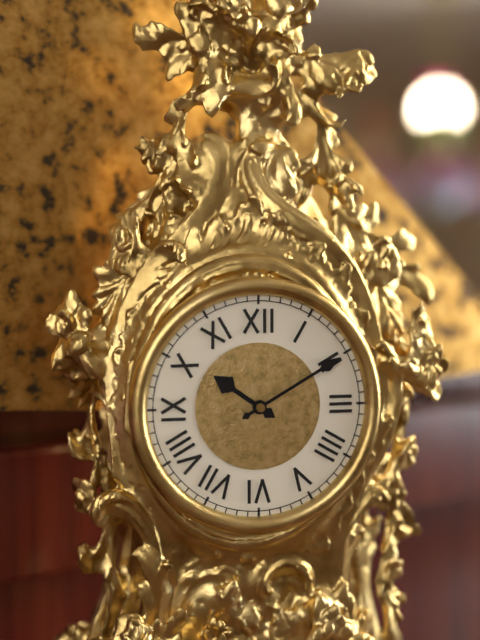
10:10
